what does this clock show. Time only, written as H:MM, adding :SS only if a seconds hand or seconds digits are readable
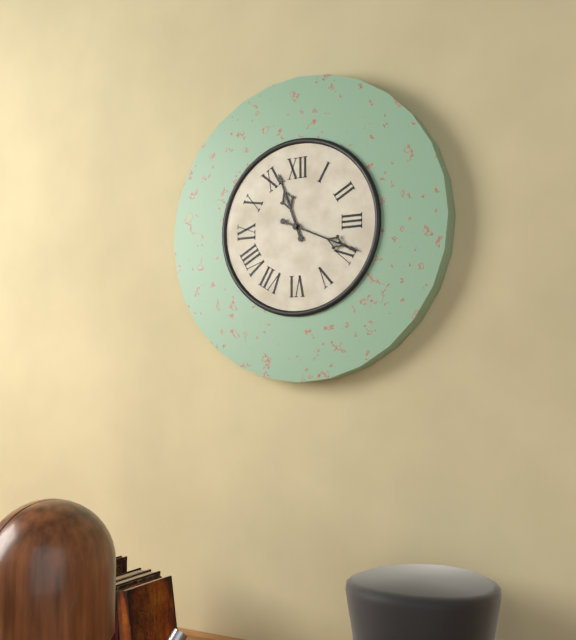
11:19
